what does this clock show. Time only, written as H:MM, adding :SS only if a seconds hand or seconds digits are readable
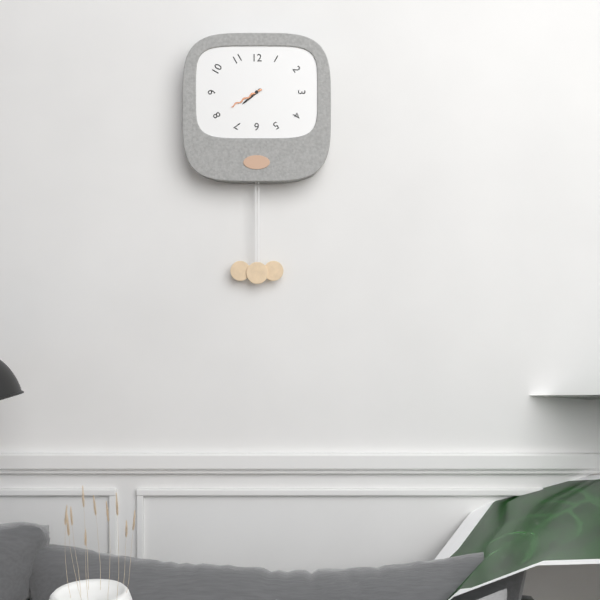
7:40
